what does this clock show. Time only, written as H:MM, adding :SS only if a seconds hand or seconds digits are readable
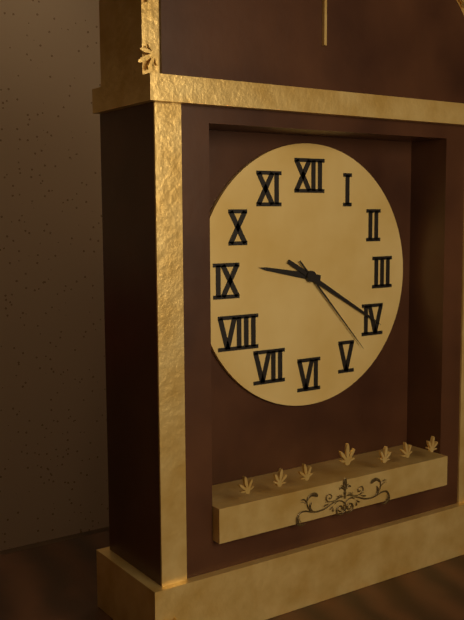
9:20:23
